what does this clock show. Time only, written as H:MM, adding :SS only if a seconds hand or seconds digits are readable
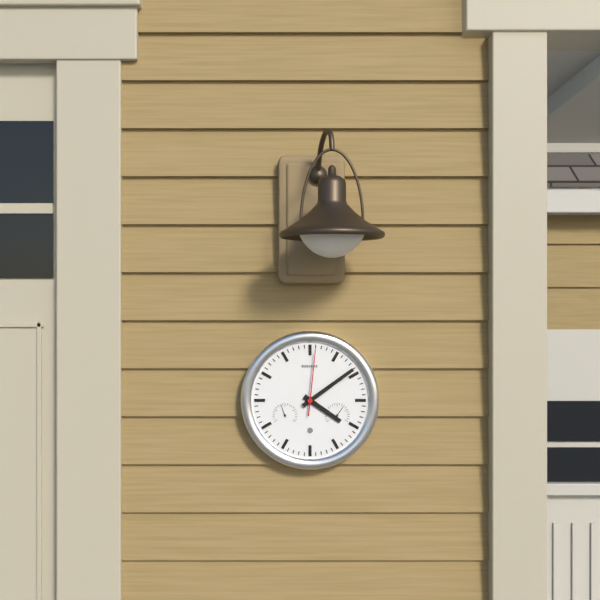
4:09:01
